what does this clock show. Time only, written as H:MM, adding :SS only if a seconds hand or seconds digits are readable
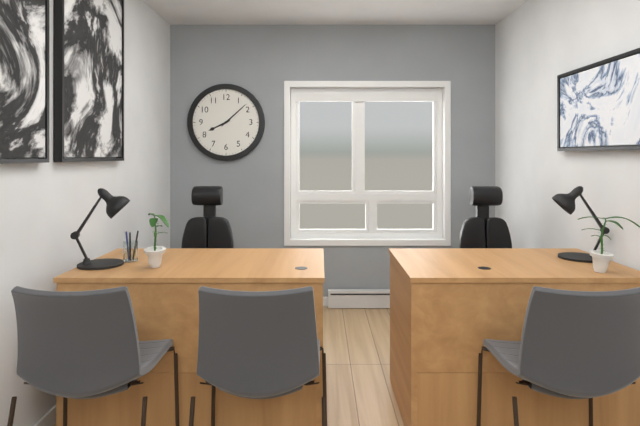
8:08
